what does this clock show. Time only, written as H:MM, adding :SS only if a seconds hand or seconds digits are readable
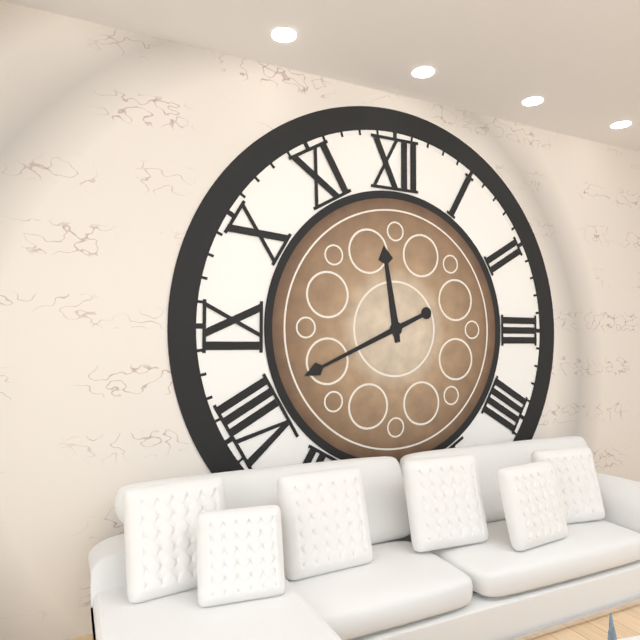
11:41
